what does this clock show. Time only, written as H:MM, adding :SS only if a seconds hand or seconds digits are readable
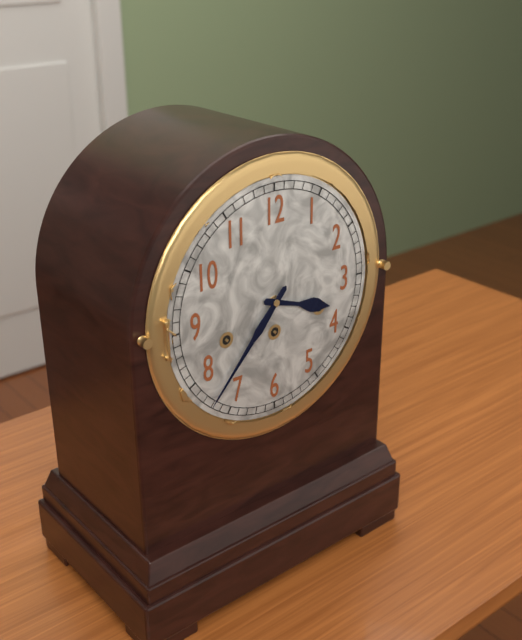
3:37
